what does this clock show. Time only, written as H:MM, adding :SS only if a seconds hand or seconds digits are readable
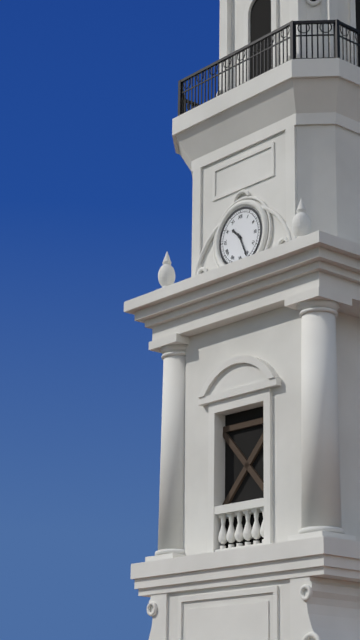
10:26
